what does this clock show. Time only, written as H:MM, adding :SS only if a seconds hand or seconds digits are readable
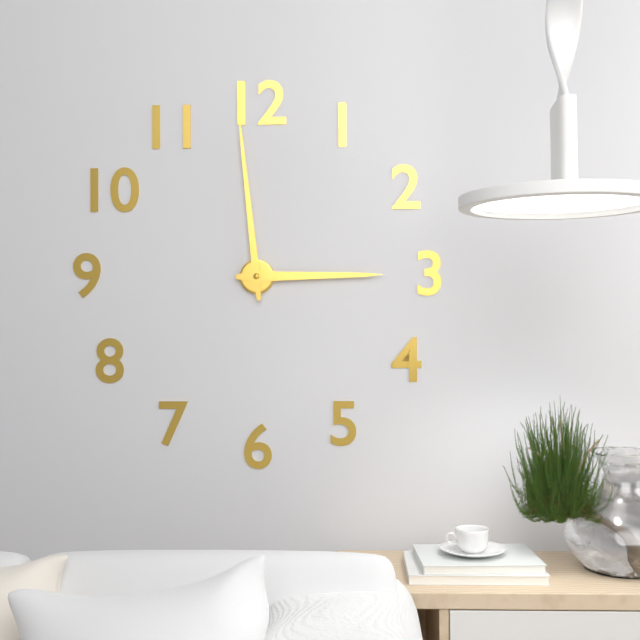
2:59
